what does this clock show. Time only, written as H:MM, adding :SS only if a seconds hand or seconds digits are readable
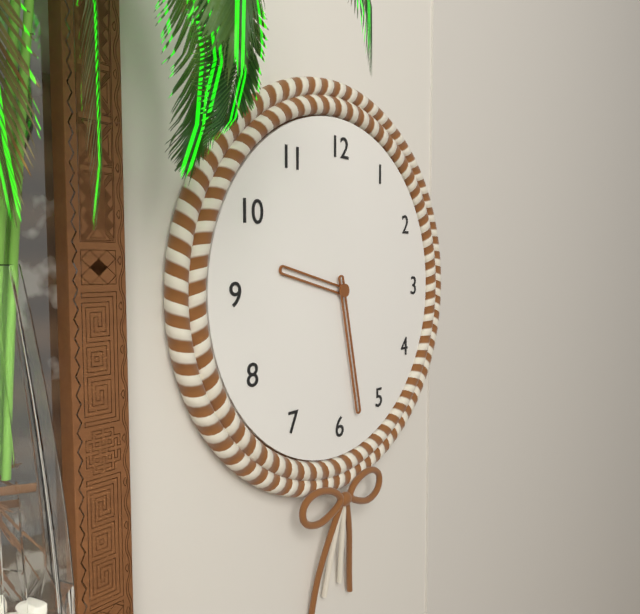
9:28
